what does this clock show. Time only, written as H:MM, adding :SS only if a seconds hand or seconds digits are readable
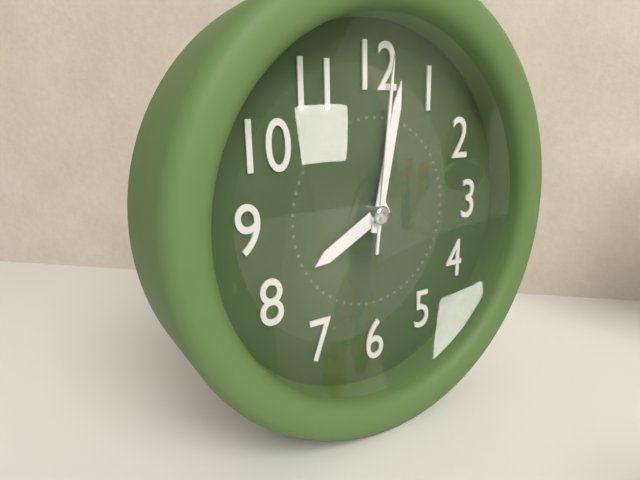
8:02:01
